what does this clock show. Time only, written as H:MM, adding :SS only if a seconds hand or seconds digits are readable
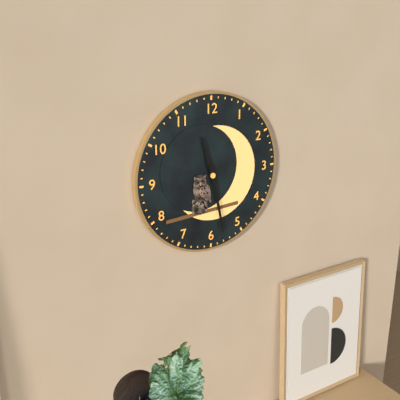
11:28
